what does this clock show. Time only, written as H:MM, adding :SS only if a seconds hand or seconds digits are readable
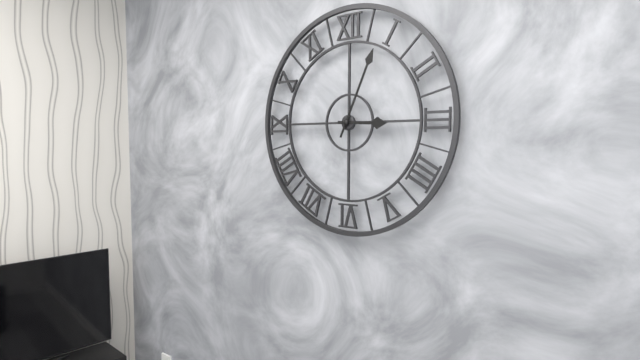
3:04
